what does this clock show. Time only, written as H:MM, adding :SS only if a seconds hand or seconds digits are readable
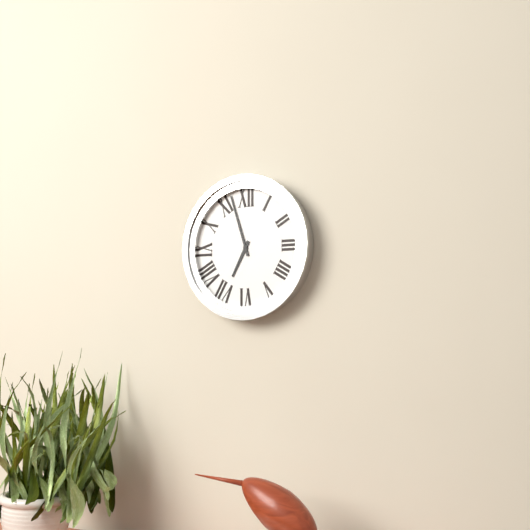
6:57
